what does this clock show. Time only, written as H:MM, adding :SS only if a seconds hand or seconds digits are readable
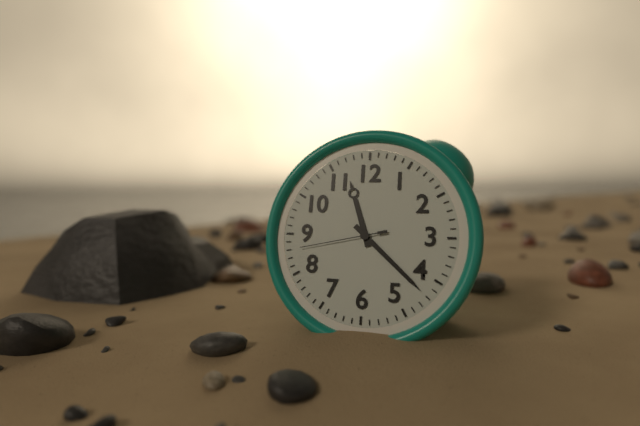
11:22:43
